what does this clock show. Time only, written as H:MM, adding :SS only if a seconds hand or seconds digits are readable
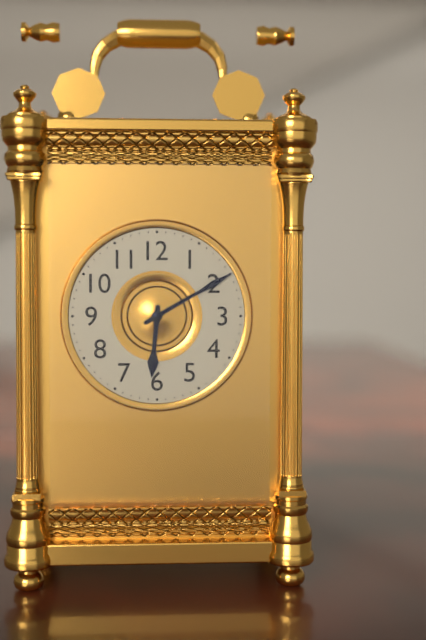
6:10
